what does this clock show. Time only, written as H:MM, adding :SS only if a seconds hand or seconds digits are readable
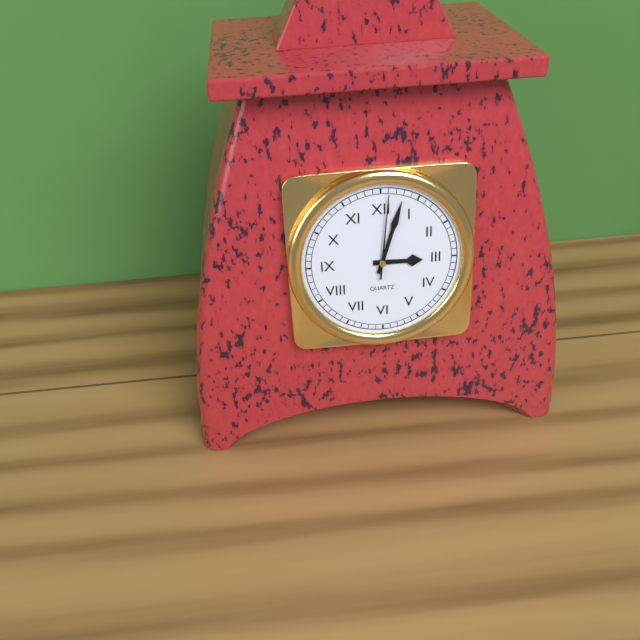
3:03:01
